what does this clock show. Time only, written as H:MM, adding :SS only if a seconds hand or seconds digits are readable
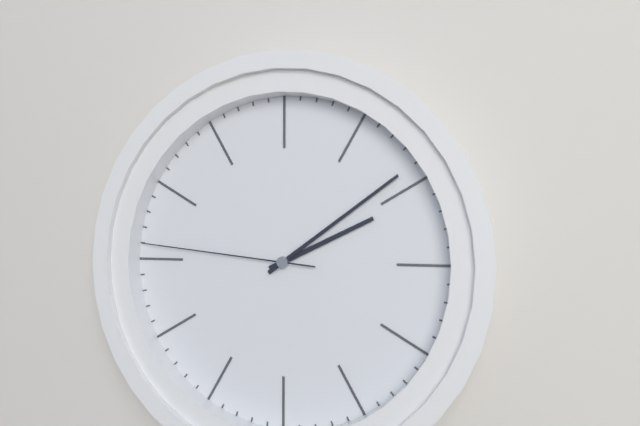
2:09:46
